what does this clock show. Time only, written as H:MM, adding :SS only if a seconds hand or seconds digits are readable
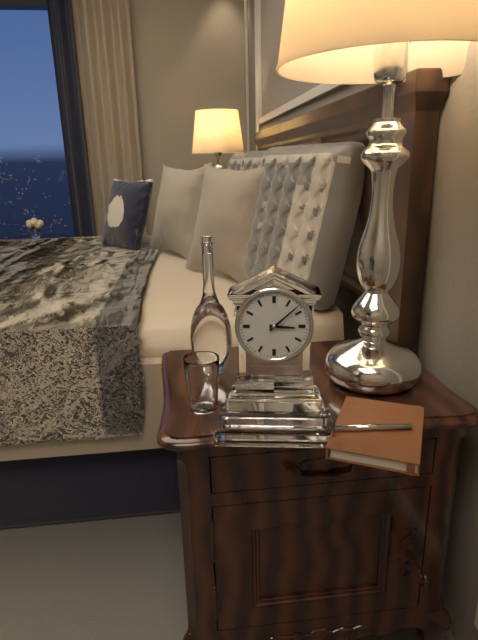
3:08
